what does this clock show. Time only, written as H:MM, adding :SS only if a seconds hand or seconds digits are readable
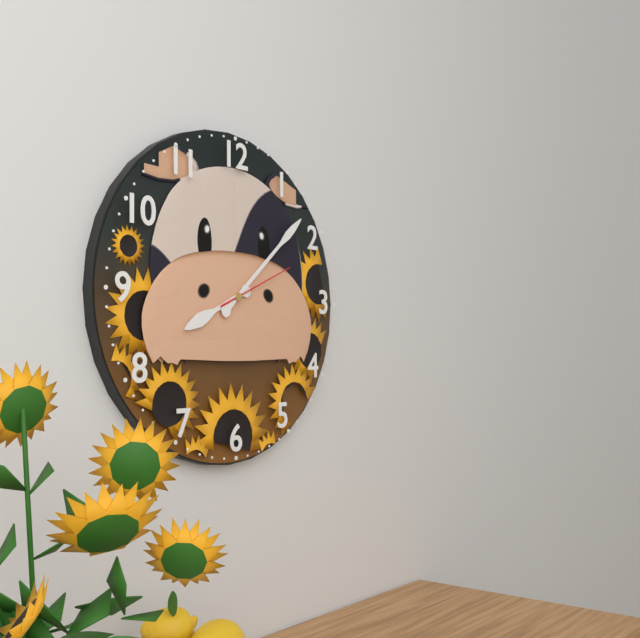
8:08:11
